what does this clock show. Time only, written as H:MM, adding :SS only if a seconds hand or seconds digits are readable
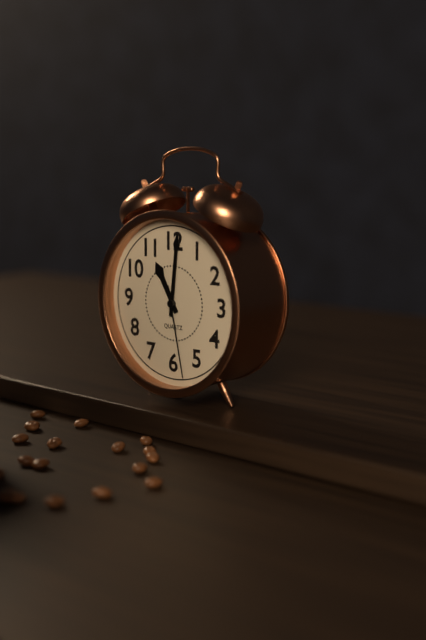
11:01:28
